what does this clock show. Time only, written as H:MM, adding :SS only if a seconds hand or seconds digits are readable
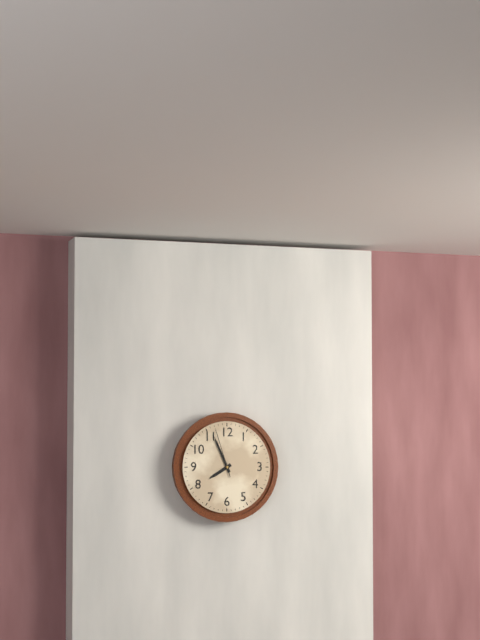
7:56:57
